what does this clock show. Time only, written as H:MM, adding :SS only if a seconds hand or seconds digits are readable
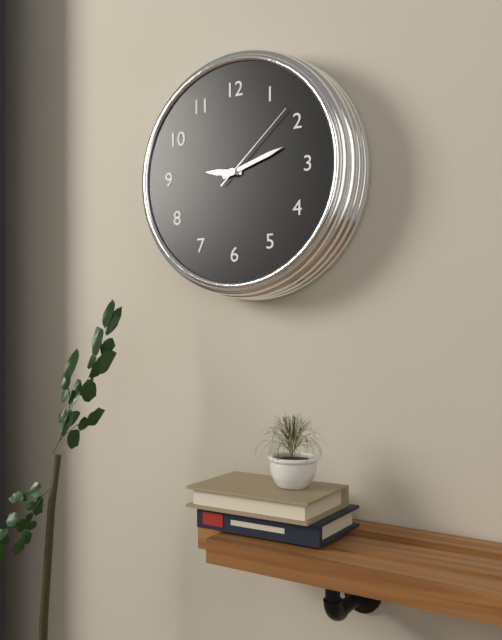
9:12:08
